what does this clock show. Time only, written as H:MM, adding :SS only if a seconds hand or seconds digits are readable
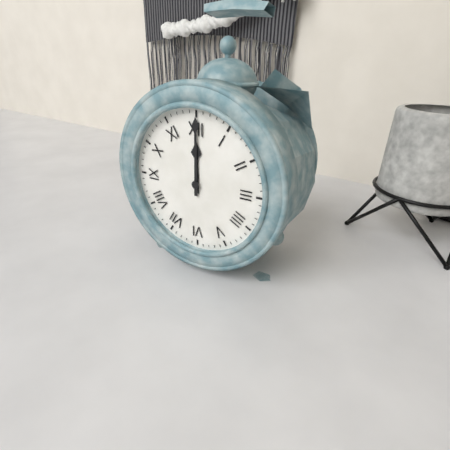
12:00
